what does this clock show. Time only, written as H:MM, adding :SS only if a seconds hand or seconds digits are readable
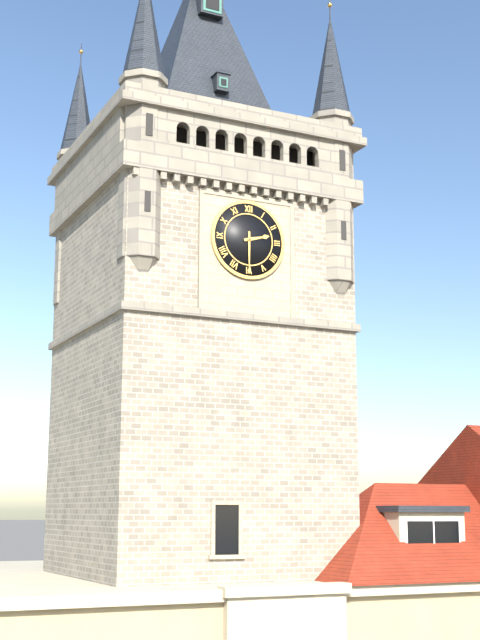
2:30
